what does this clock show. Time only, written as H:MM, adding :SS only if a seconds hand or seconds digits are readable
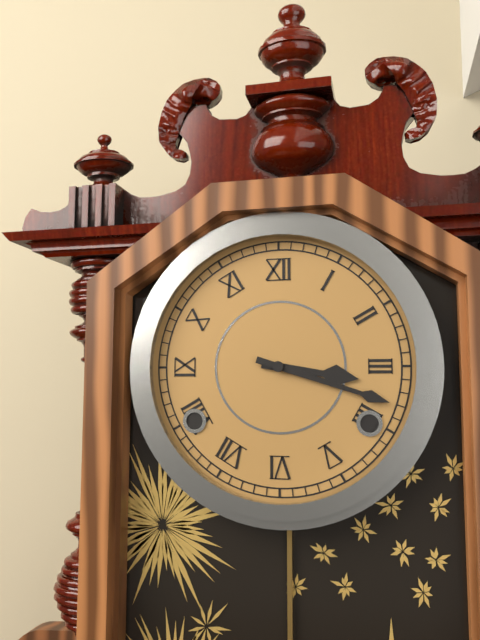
3:18
